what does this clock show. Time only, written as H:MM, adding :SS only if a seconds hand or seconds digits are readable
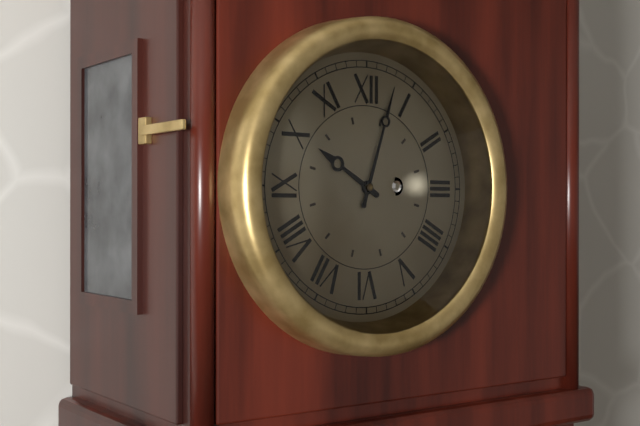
10:03
